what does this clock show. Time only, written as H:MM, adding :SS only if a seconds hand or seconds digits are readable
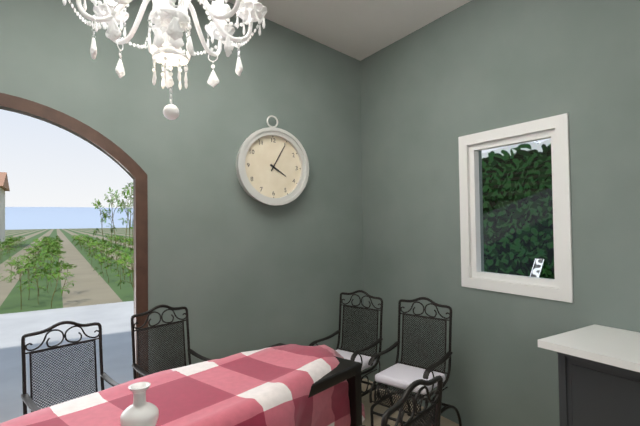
4:05
